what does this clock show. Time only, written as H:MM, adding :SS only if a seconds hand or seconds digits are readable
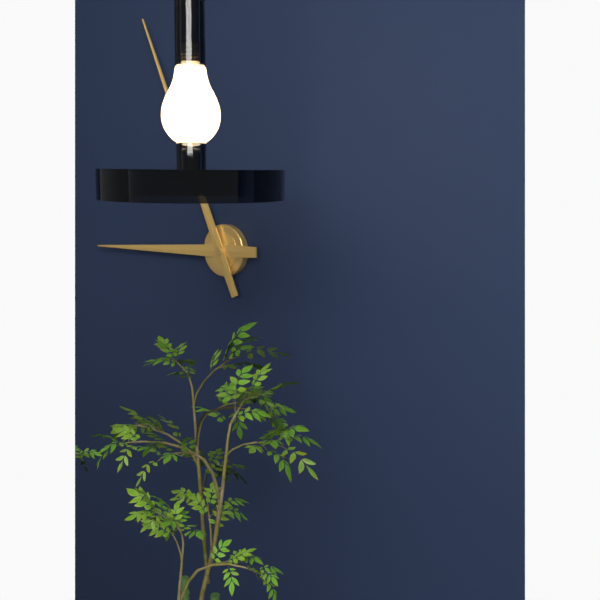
8:56
